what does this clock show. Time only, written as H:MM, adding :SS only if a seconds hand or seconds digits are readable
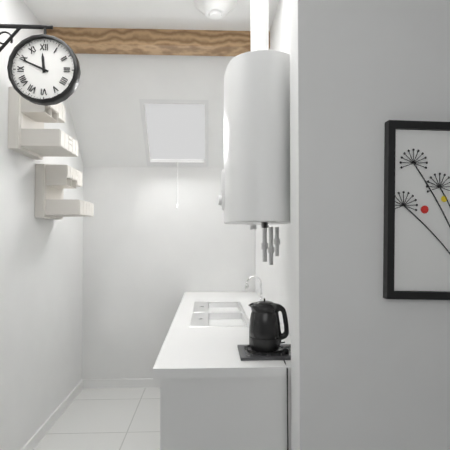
11:49
